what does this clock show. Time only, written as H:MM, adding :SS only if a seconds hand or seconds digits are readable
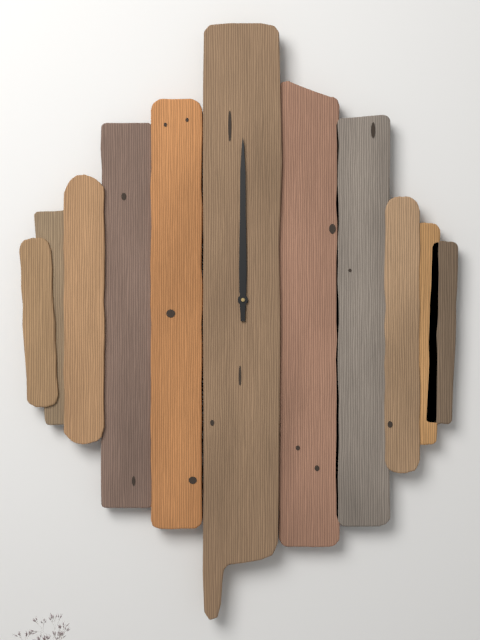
12:00
